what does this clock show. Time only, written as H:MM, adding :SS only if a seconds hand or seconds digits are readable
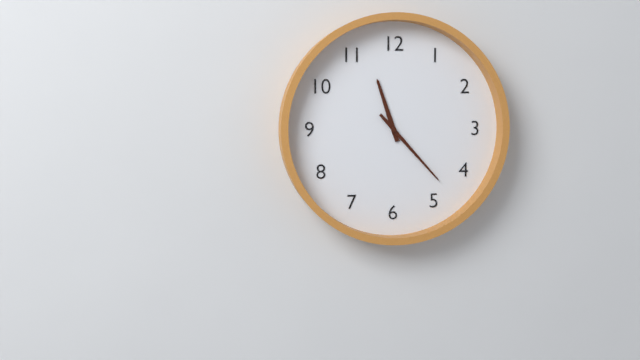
11:23
